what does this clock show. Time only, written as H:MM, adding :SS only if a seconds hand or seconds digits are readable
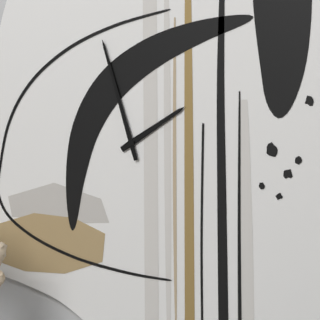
1:57
